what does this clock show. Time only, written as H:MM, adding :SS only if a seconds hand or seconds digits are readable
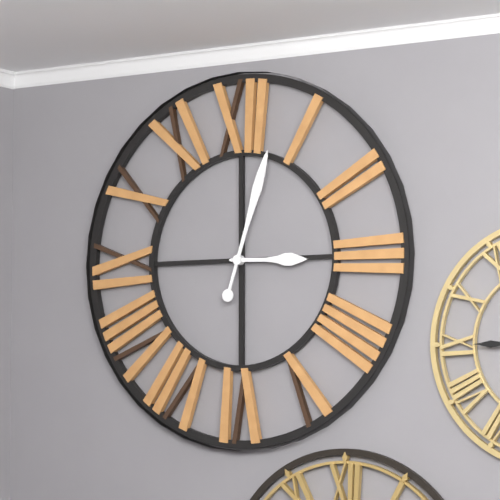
3:03
